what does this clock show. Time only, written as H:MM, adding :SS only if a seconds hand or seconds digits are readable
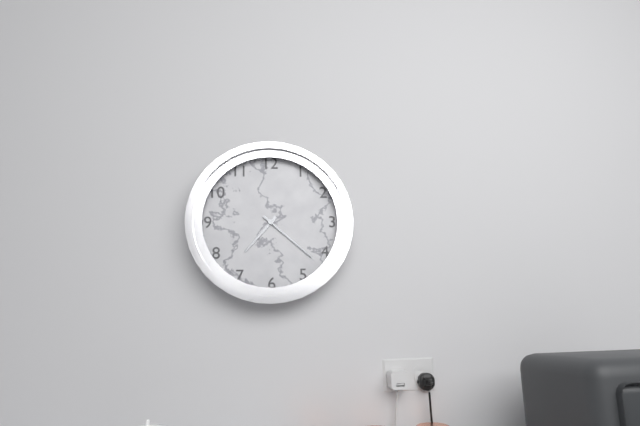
7:22
